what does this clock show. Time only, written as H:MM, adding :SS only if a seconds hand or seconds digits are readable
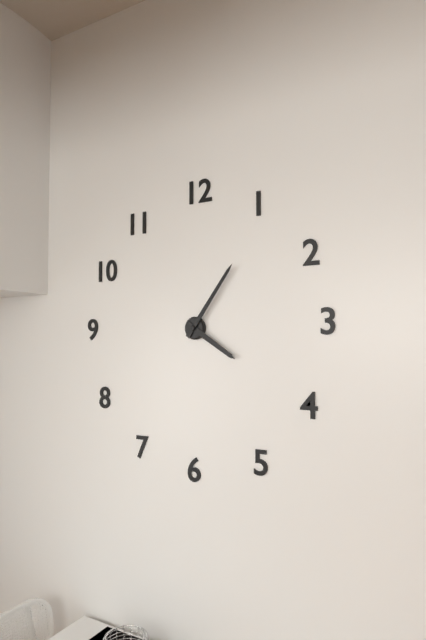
4:06
